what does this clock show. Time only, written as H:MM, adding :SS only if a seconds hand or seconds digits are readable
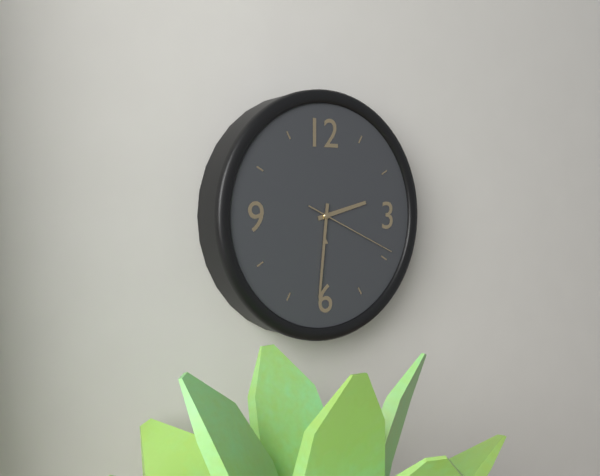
2:31:19
